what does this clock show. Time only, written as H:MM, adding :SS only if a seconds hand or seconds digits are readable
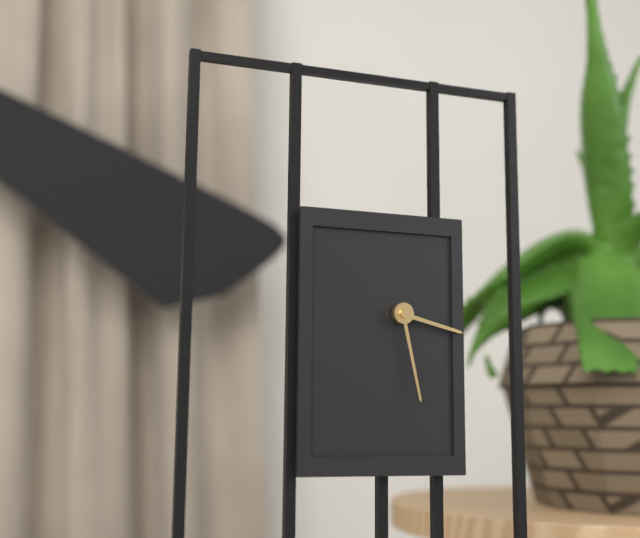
3:28
